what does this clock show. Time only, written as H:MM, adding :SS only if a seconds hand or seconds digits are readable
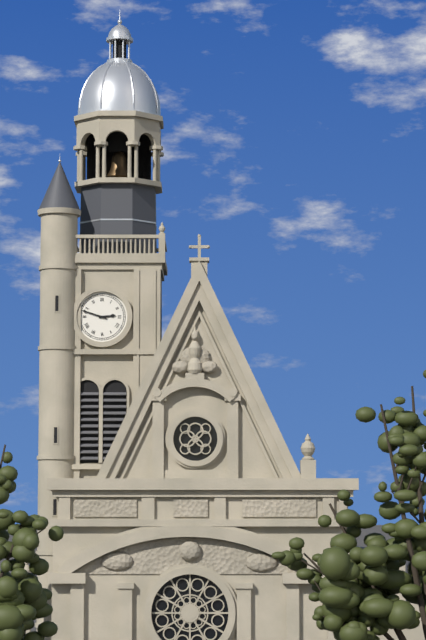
2:48
